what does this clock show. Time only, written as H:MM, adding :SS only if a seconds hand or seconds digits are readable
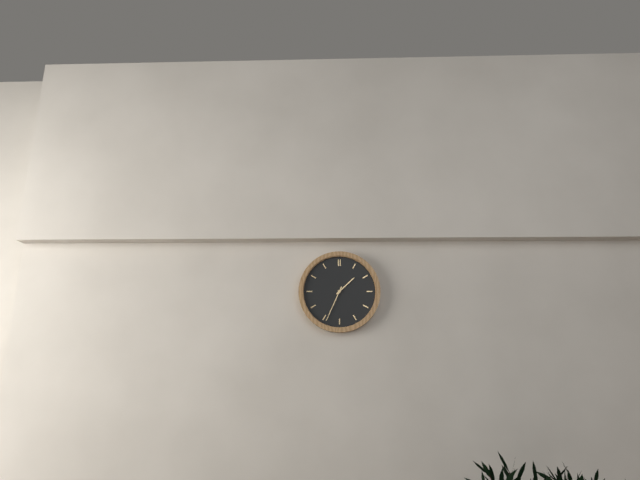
1:34
